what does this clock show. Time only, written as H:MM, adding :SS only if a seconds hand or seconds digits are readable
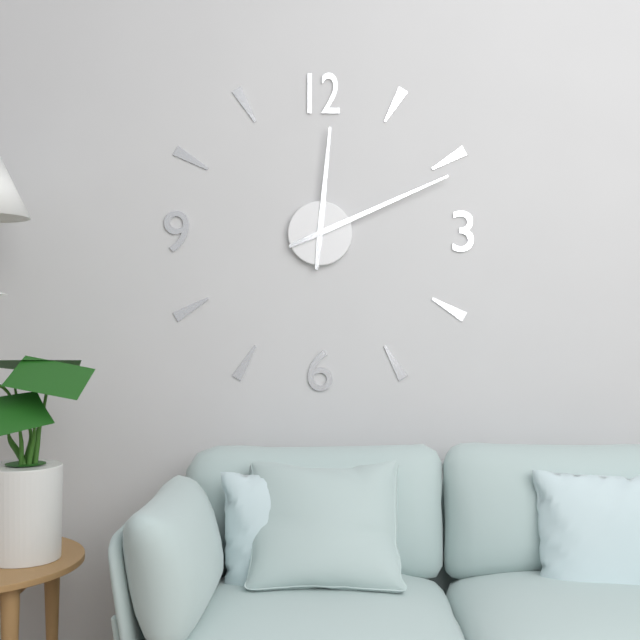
12:11
